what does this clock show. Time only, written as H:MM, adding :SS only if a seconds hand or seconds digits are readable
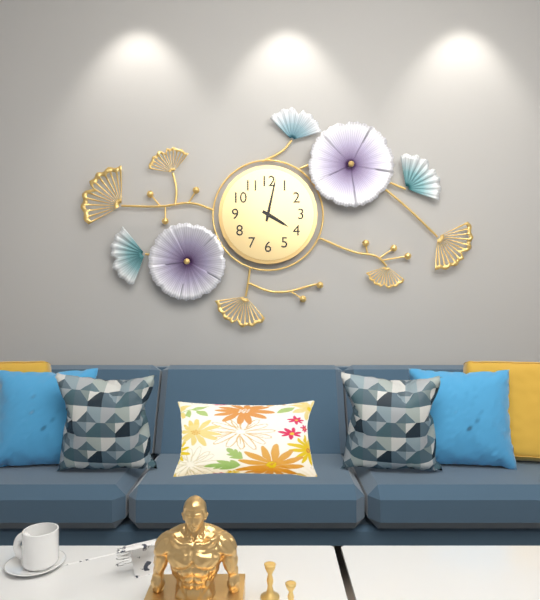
4:02
